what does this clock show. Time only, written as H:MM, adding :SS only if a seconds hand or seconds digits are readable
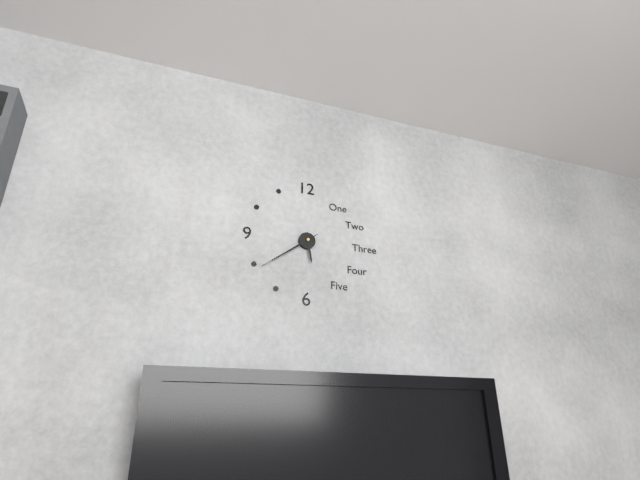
5:39:39
